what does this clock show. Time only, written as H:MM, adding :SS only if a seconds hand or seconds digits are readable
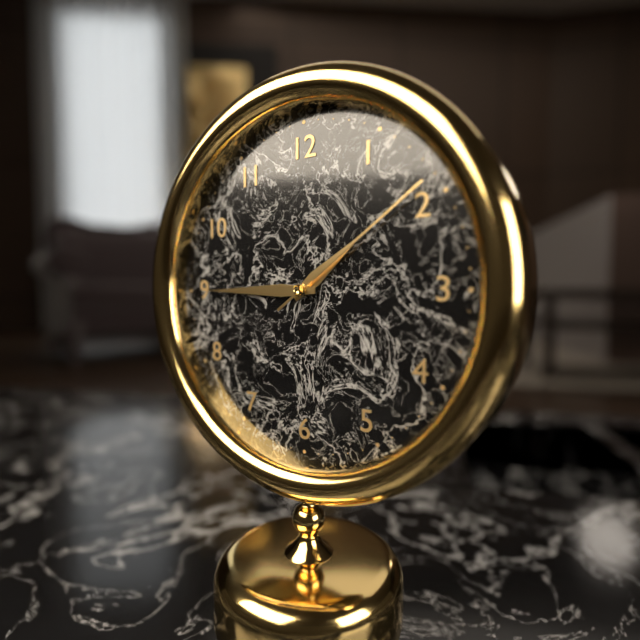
1:45:09
